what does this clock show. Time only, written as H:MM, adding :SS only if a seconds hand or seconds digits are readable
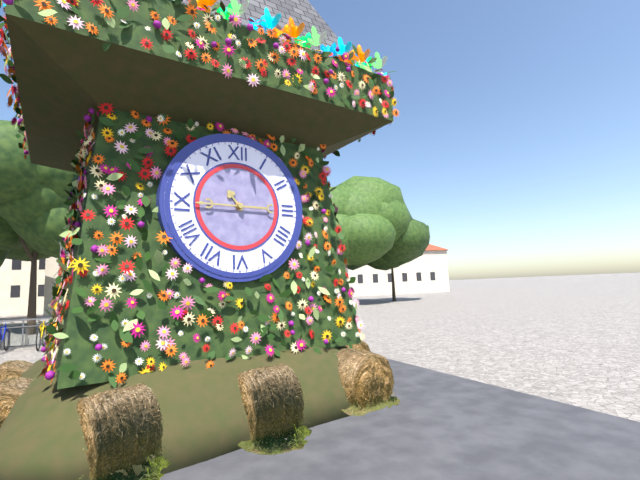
10:45
